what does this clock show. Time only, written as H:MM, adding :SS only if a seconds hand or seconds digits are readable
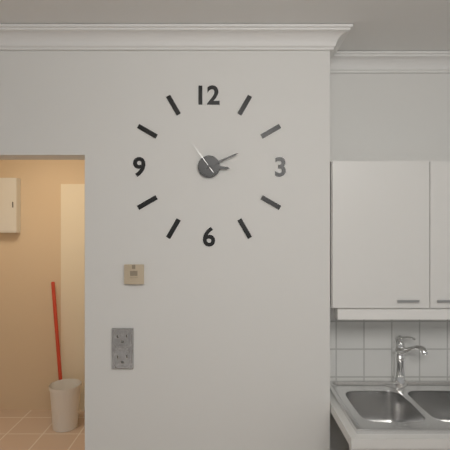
3:11
